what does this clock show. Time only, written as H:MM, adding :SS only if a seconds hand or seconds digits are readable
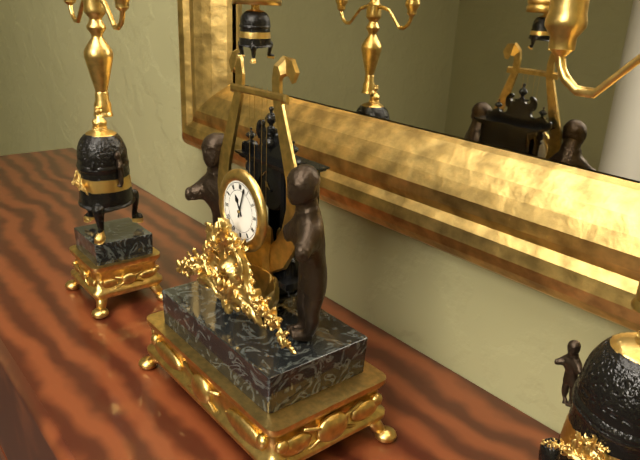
11:03
